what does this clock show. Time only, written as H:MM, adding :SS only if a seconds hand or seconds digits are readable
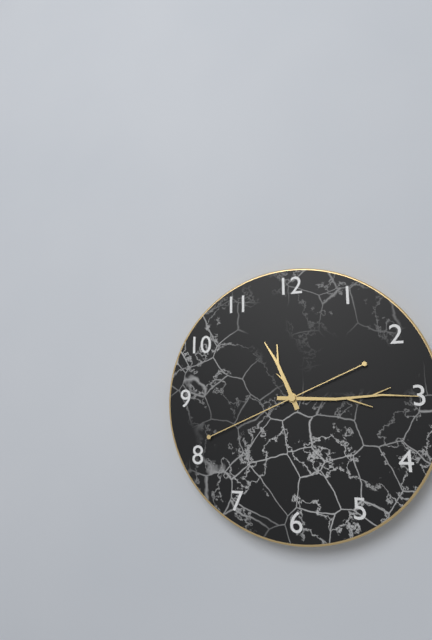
11:15:41
